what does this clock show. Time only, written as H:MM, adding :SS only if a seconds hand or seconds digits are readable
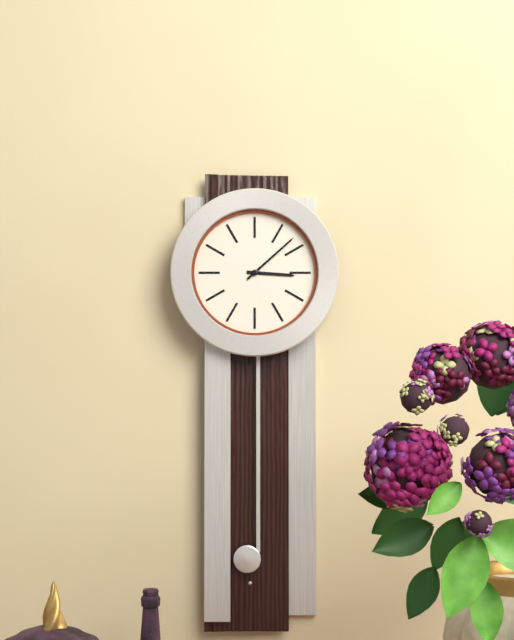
3:08
